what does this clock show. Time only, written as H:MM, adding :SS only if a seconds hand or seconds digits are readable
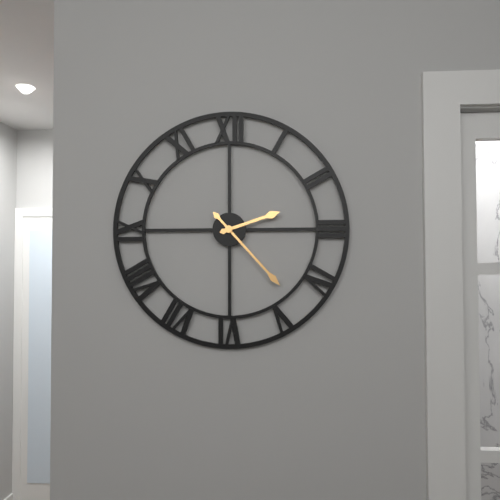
2:23
